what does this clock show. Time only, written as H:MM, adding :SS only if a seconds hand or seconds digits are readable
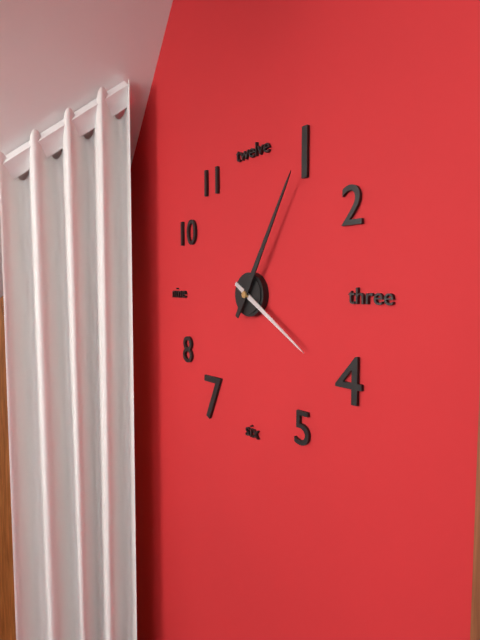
4:05
